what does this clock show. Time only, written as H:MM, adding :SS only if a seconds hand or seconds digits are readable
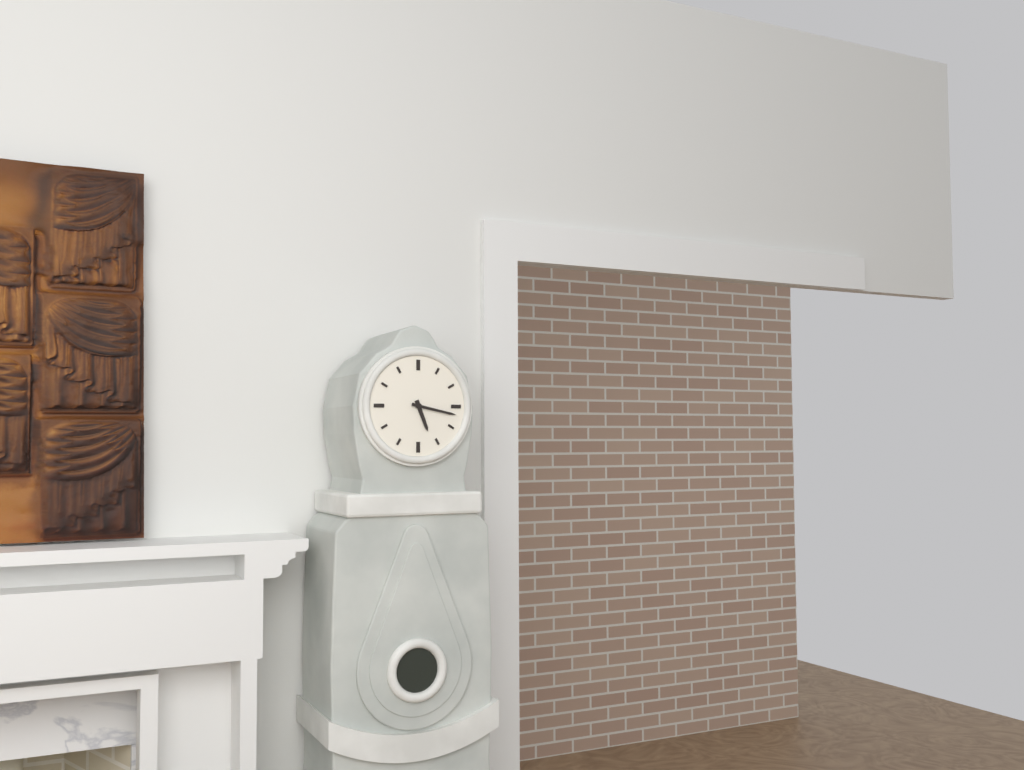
5:17
